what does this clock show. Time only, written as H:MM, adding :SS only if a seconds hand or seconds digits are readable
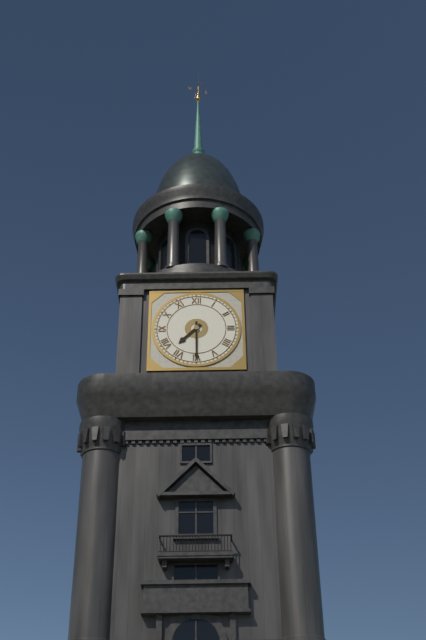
7:30
